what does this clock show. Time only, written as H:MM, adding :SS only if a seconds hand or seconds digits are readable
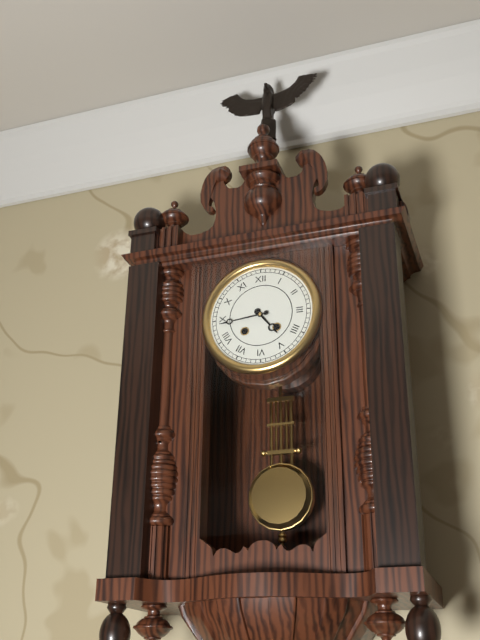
4:44
